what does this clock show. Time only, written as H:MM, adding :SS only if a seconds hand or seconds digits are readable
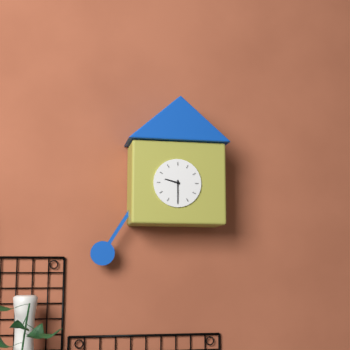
9:30
